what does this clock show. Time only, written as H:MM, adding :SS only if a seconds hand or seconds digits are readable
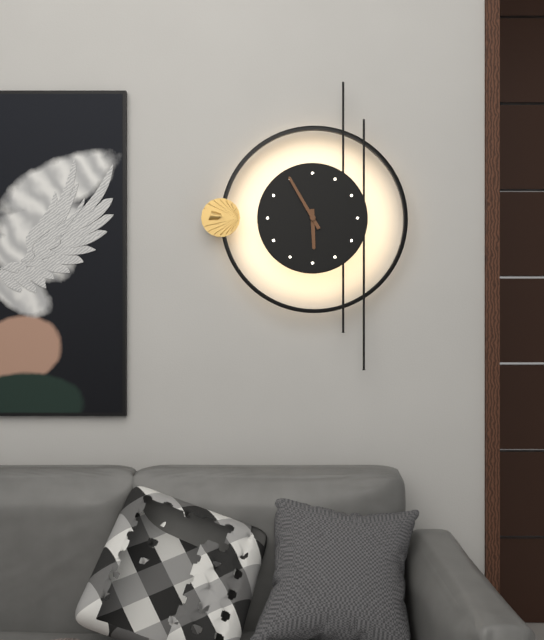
5:55
